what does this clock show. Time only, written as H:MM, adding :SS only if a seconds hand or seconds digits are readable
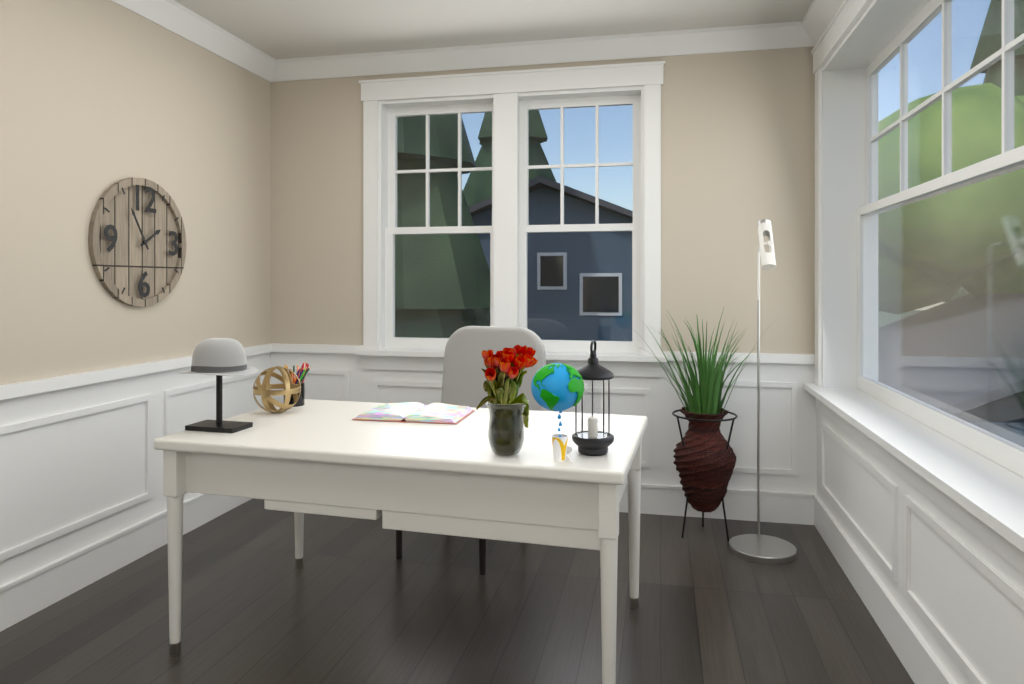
1:55
